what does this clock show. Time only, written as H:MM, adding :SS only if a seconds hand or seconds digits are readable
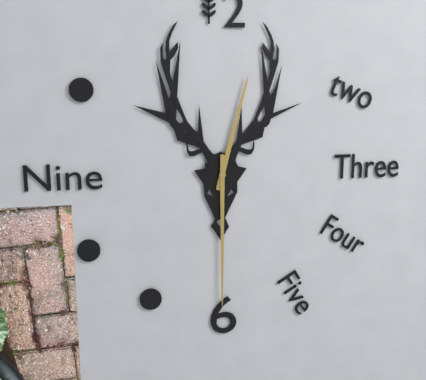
12:30
